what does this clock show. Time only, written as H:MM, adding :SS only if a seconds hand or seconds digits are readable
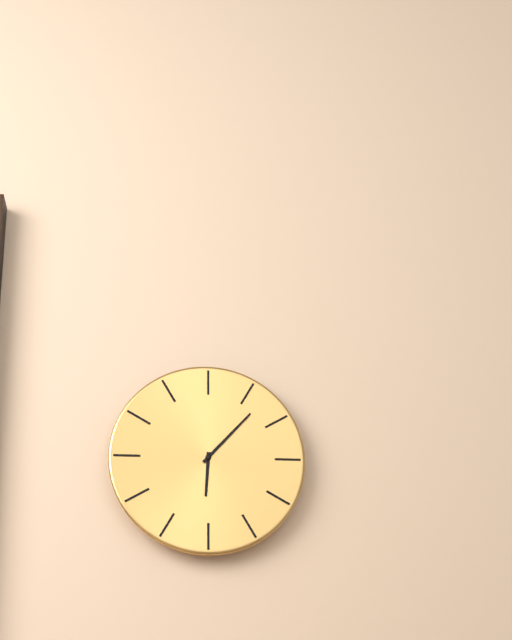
6:07
